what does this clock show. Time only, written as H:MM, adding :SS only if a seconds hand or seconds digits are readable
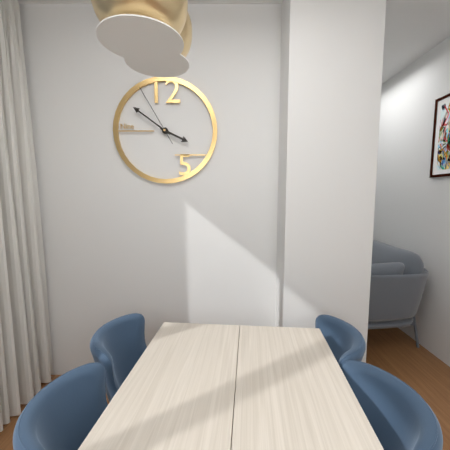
3:51:55
